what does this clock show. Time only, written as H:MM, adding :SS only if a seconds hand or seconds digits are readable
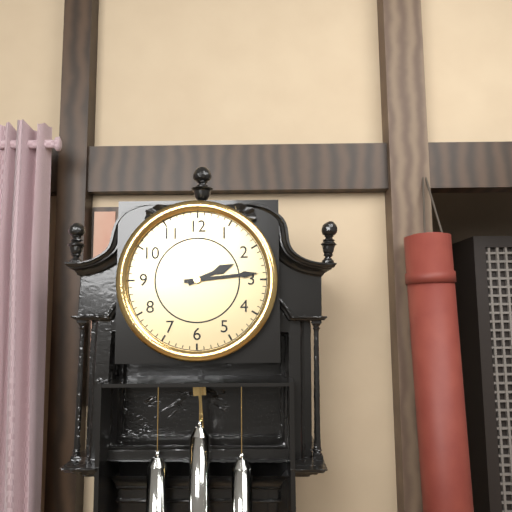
2:14
